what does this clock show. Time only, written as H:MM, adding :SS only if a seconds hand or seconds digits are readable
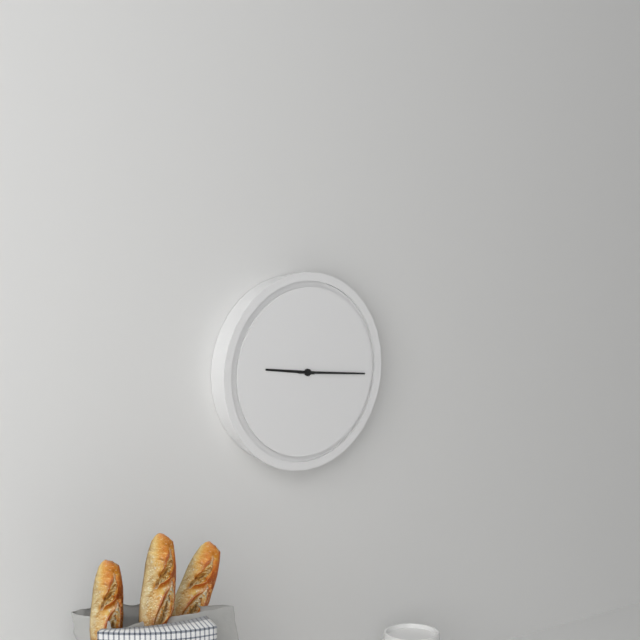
9:16
